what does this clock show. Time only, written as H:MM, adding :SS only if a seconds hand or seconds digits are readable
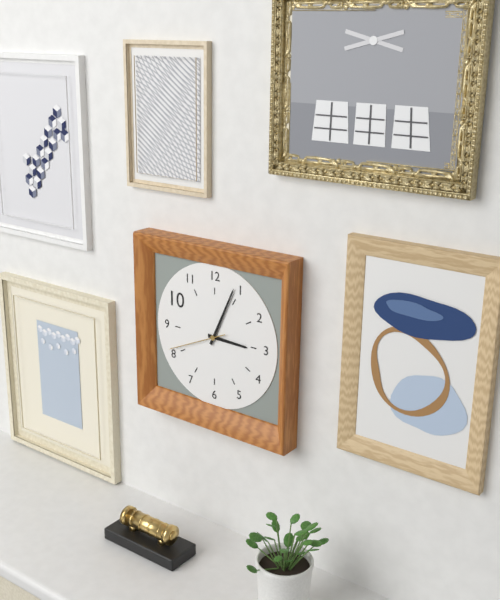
3:04:41
